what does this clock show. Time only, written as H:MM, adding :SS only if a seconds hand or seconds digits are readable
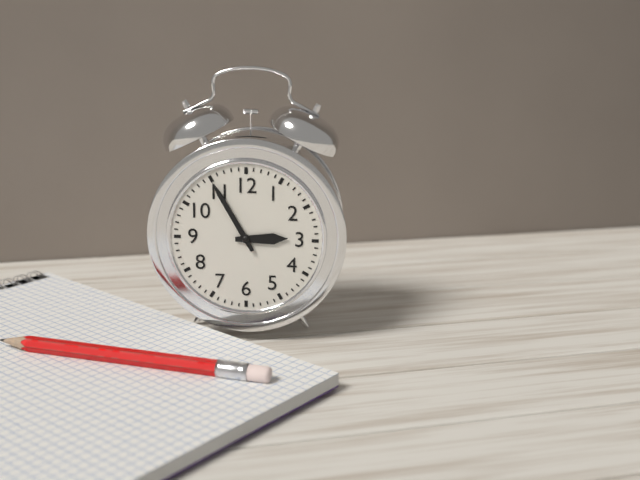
2:55
